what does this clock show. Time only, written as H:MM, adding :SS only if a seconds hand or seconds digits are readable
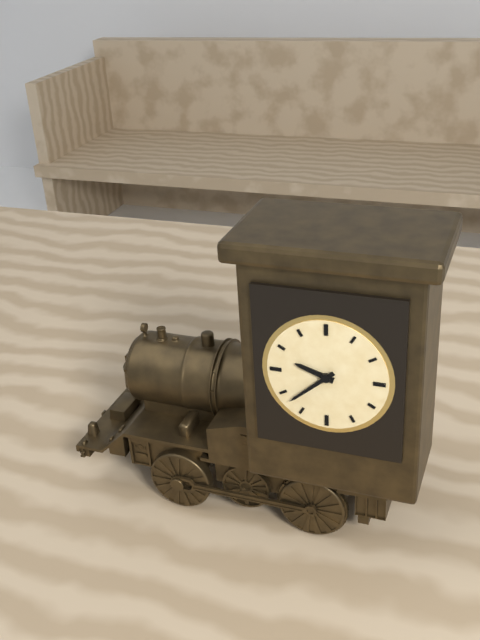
9:38
